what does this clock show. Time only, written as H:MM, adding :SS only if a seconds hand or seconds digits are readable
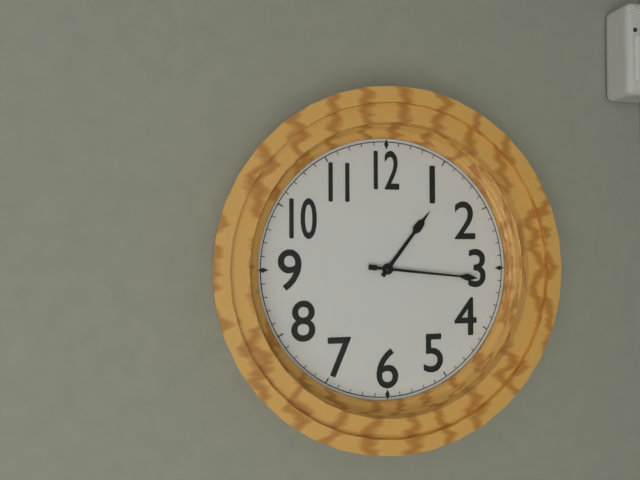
1:16
